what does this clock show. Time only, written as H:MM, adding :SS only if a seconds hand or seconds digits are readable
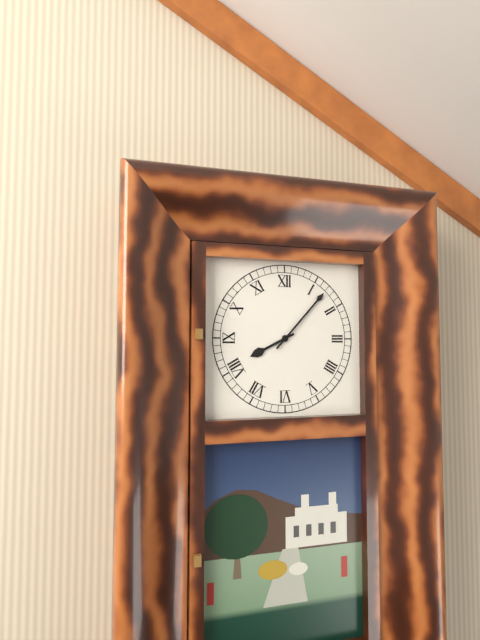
8:07
